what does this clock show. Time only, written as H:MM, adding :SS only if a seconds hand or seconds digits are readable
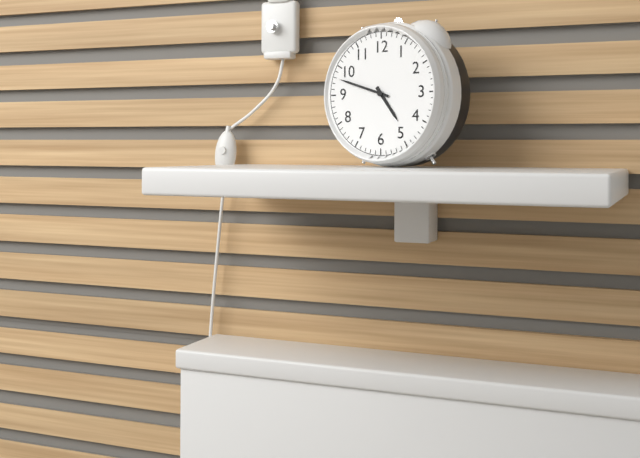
4:48
